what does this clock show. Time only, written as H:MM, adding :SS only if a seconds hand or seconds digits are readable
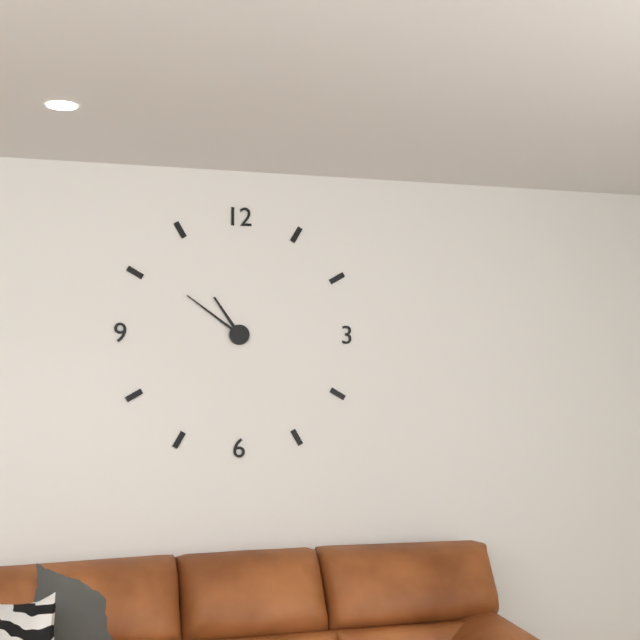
10:51
